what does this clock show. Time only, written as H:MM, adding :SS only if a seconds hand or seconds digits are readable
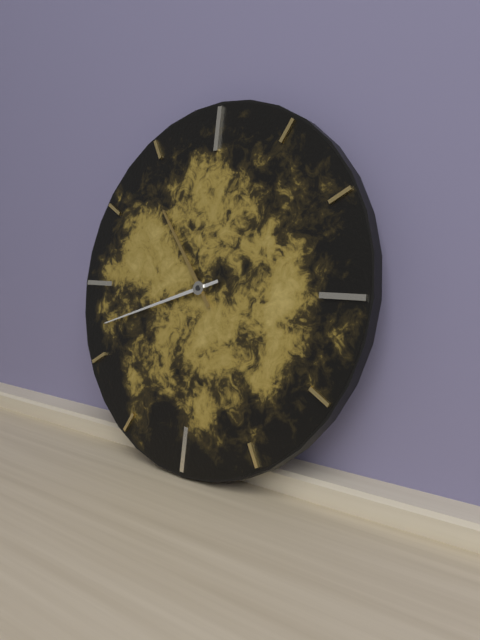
10:42
